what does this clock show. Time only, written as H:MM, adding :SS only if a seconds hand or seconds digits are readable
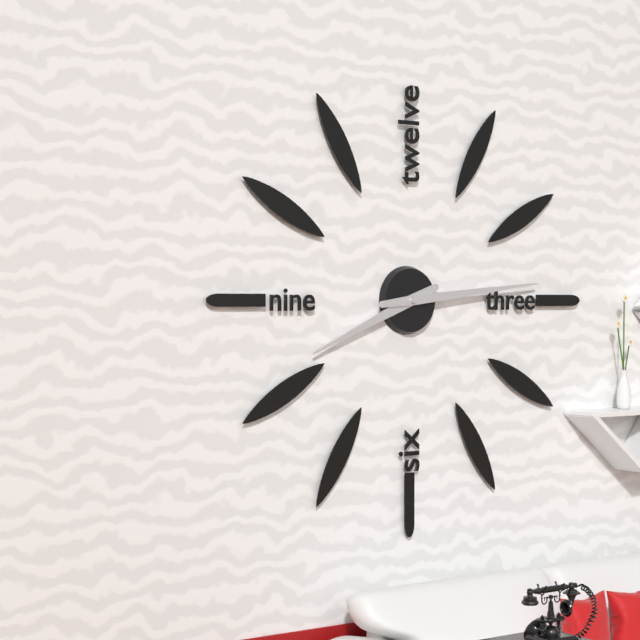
8:14
